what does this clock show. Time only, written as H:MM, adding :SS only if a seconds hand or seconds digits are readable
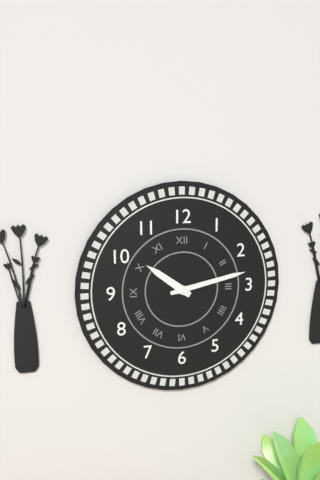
10:13
